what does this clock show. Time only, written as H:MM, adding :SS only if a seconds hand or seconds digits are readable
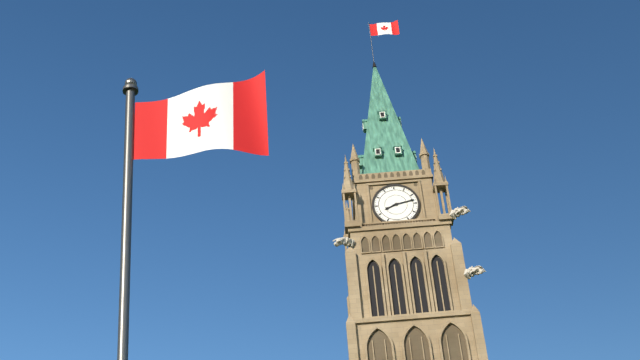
8:13
